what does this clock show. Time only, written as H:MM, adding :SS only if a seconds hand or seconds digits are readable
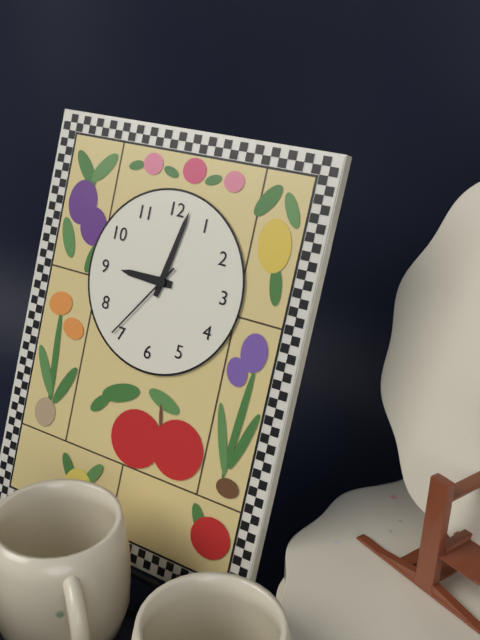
9:02:36
